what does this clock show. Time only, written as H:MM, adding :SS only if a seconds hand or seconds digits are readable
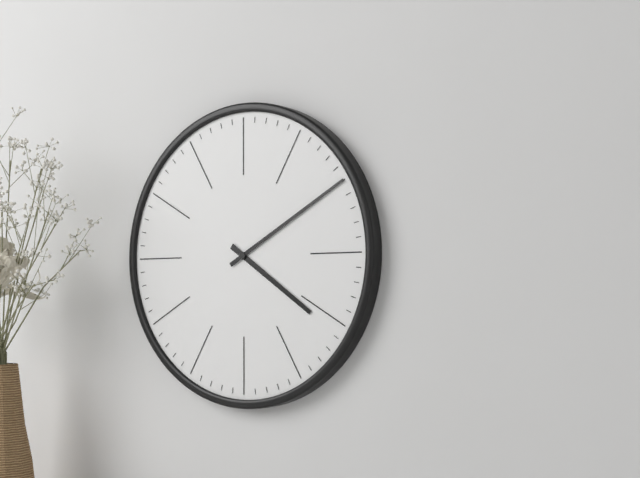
4:10
